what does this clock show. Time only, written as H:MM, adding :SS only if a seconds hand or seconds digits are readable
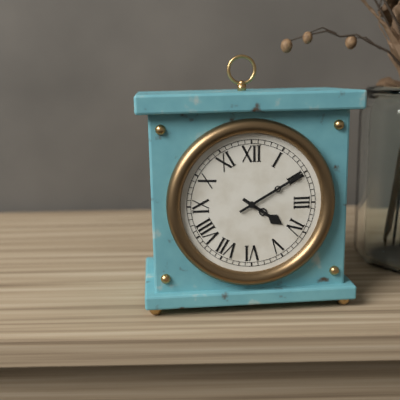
4:10
